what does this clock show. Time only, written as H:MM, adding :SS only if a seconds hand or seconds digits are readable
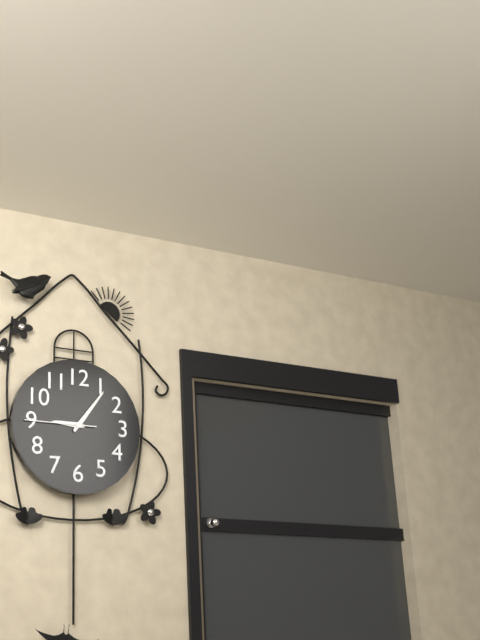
9:06:45
